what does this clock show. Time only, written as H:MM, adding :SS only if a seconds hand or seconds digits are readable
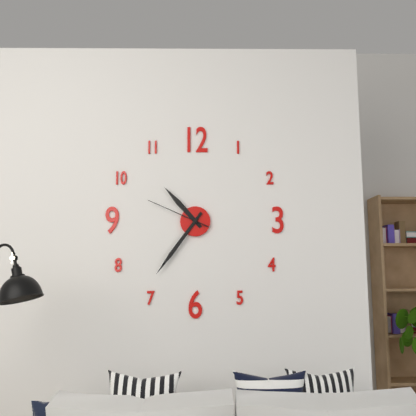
10:36:49
